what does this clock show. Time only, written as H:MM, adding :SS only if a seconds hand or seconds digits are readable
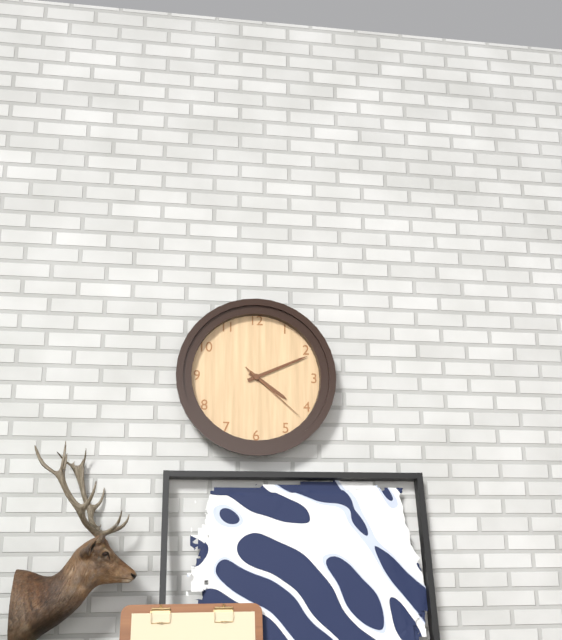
4:11:22
